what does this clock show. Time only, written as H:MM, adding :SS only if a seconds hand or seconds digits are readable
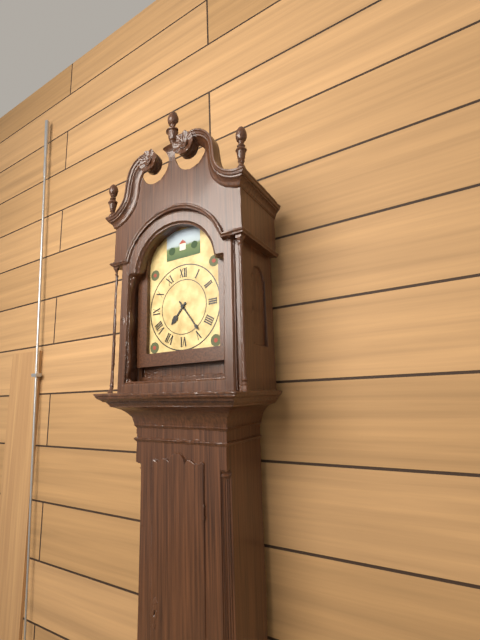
7:24
